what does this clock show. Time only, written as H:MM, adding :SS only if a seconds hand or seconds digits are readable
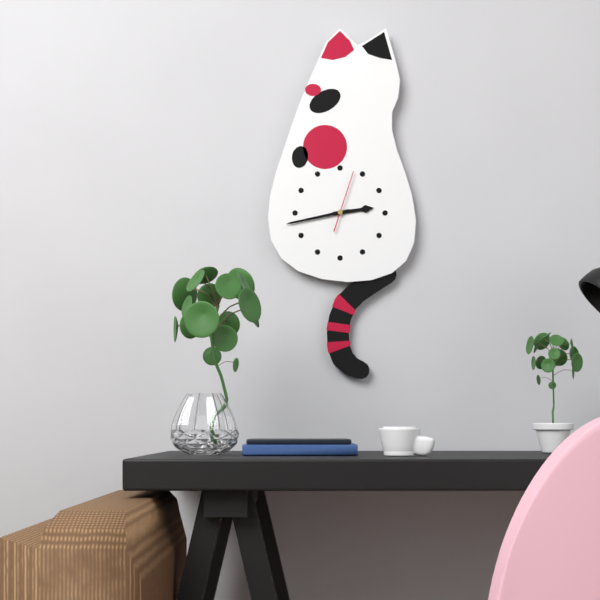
2:43:03
